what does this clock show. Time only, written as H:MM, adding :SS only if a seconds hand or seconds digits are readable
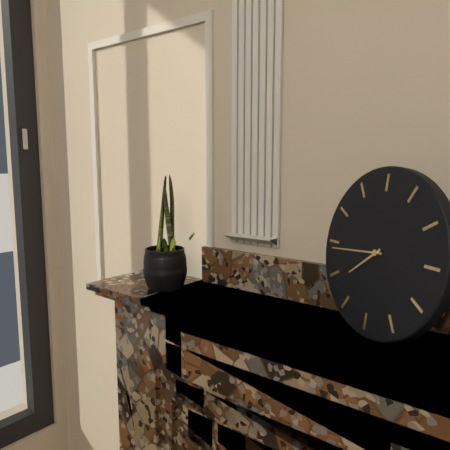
7:44
